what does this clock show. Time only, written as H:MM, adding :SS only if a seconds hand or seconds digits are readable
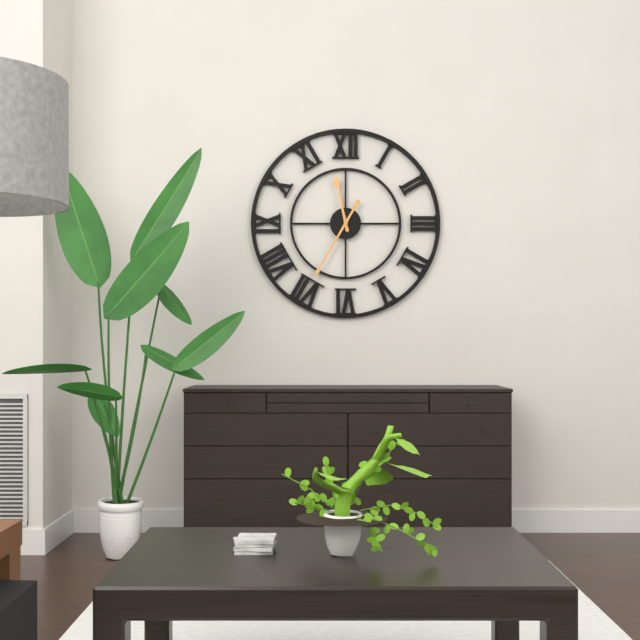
11:35
